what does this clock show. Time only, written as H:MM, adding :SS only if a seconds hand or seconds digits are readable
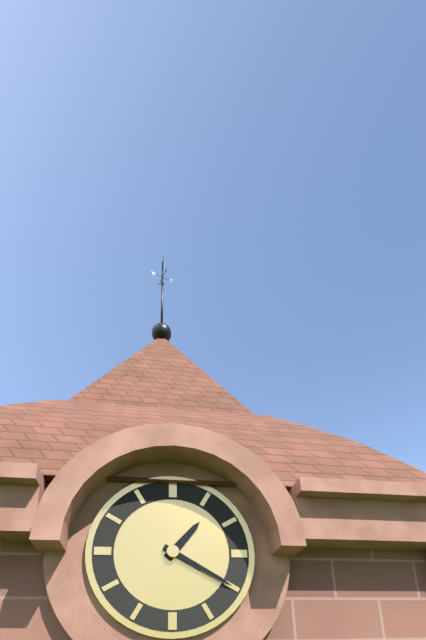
1:20
